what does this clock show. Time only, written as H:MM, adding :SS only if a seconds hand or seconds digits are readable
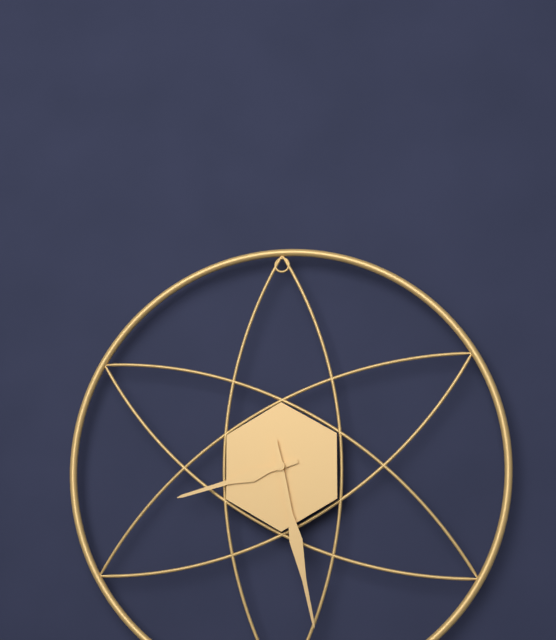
8:28
